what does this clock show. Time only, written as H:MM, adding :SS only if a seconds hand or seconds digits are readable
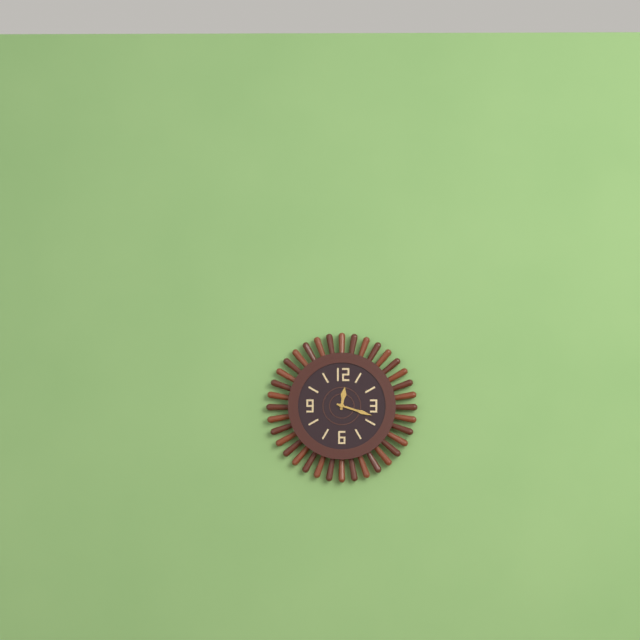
12:18
